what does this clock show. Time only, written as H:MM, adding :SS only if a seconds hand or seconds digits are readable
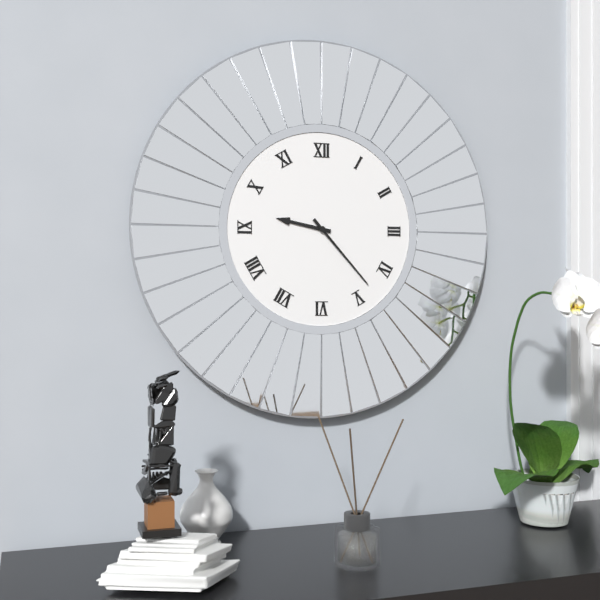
9:23
